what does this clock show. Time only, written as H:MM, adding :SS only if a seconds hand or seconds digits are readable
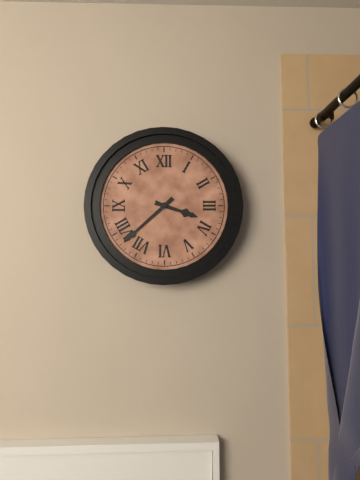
3:38
